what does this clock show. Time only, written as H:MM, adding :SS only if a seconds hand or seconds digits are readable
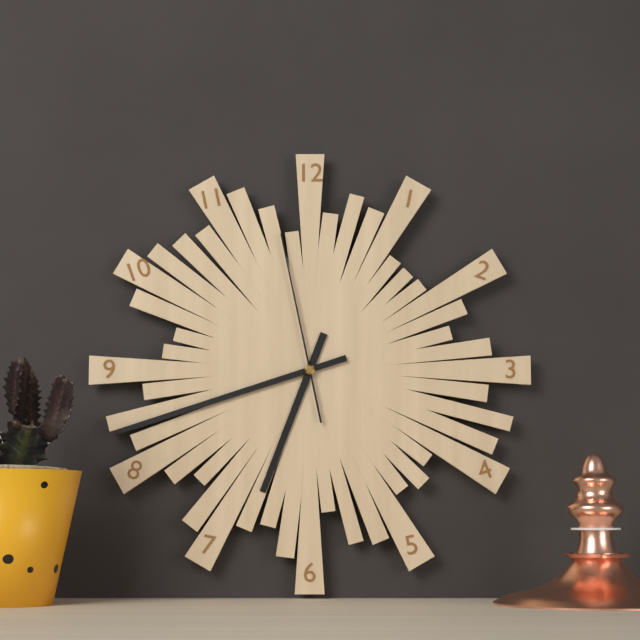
6:42:58
